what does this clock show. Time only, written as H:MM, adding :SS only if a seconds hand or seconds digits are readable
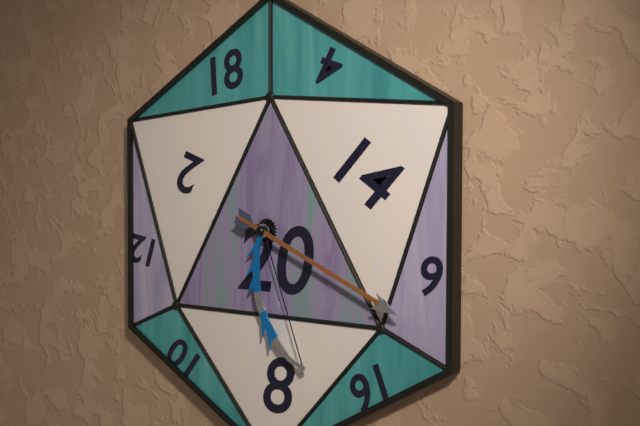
5:19
